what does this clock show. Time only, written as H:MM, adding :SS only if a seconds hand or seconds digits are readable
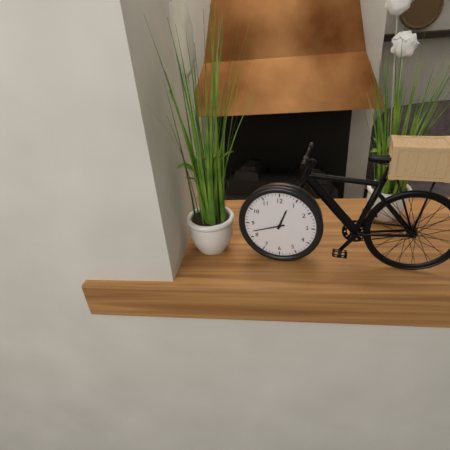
12:42
